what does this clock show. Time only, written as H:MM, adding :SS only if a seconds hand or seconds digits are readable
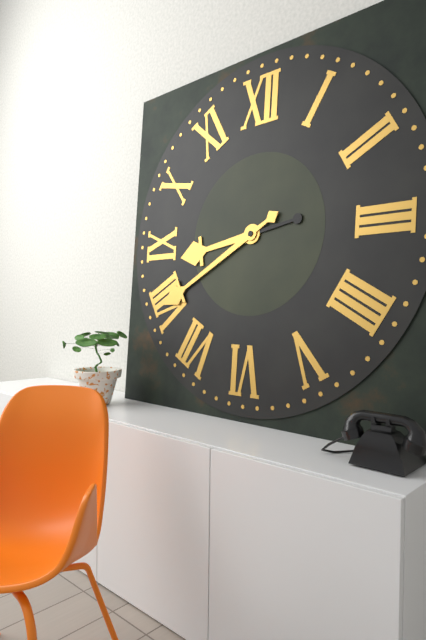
8:40
